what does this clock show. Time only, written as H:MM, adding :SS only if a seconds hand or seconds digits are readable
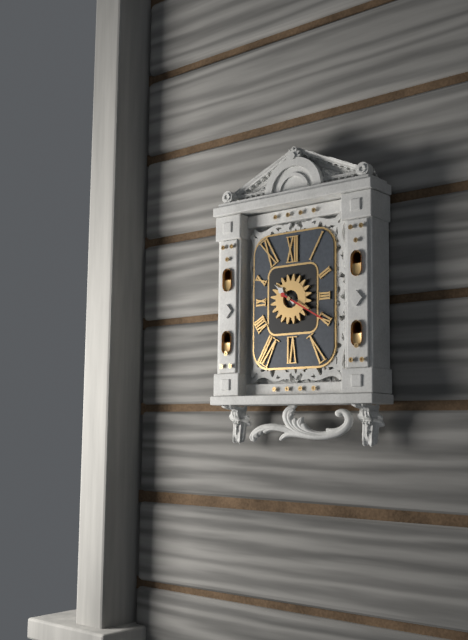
10:20
